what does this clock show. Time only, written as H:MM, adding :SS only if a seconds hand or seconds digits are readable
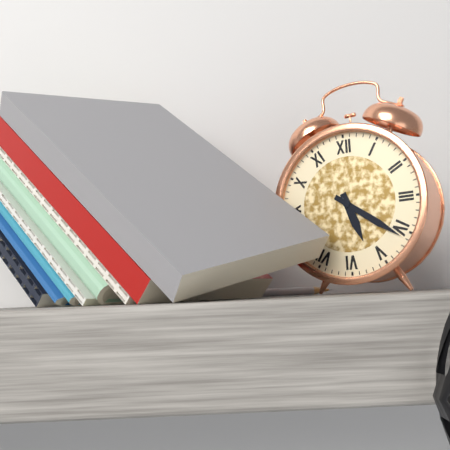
5:21
